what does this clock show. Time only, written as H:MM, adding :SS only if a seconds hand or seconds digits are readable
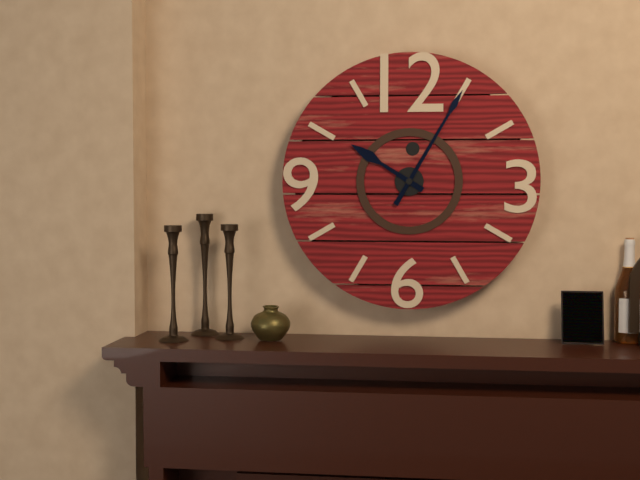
10:05
